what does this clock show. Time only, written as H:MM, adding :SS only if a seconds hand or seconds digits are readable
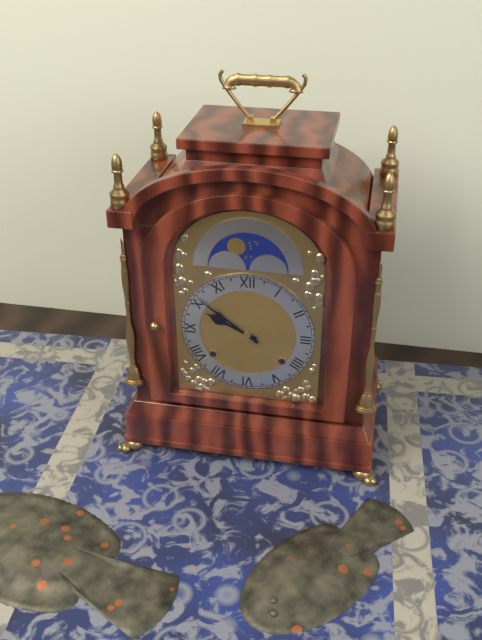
9:51
